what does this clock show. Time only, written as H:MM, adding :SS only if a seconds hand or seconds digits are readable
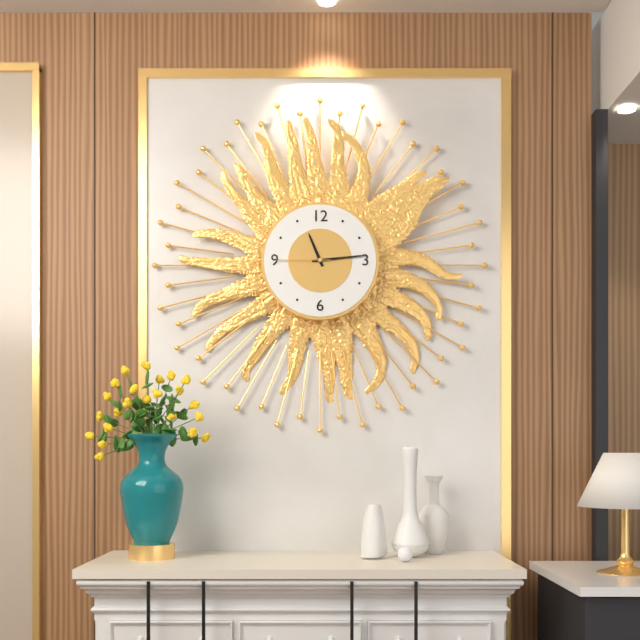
11:14:45
